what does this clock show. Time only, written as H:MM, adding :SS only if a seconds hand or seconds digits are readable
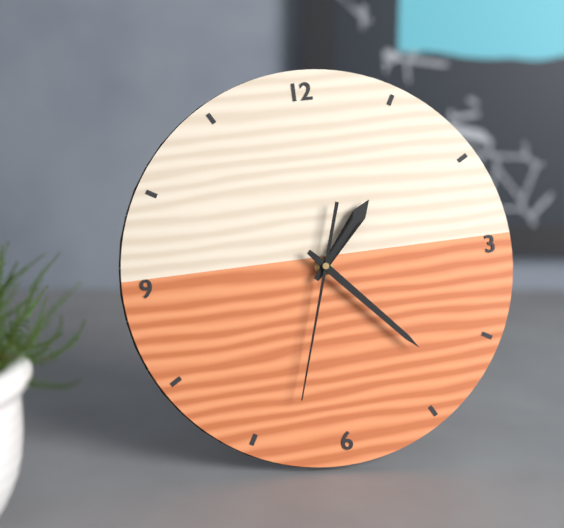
1:23:33
